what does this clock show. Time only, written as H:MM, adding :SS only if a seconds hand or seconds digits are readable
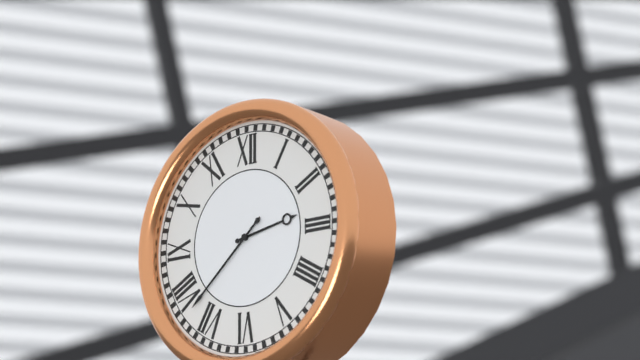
2:38
